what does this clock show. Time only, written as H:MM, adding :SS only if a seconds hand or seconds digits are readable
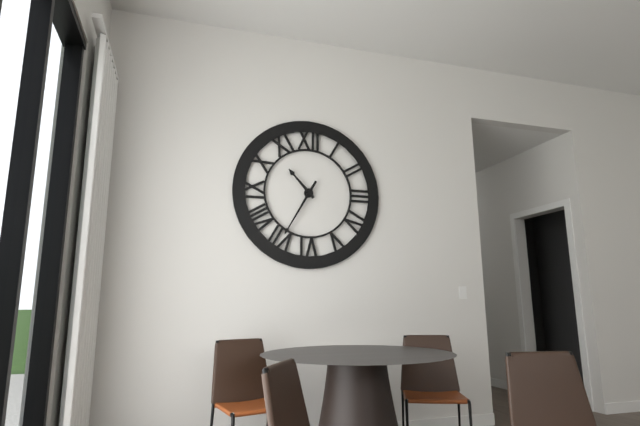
10:35
